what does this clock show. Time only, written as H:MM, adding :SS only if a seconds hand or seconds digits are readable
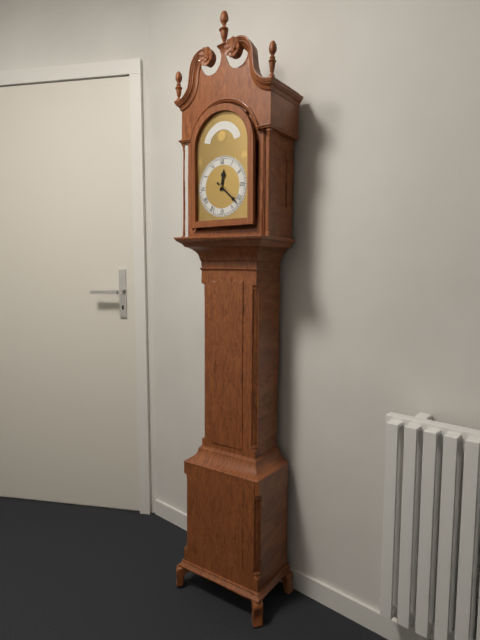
12:22
